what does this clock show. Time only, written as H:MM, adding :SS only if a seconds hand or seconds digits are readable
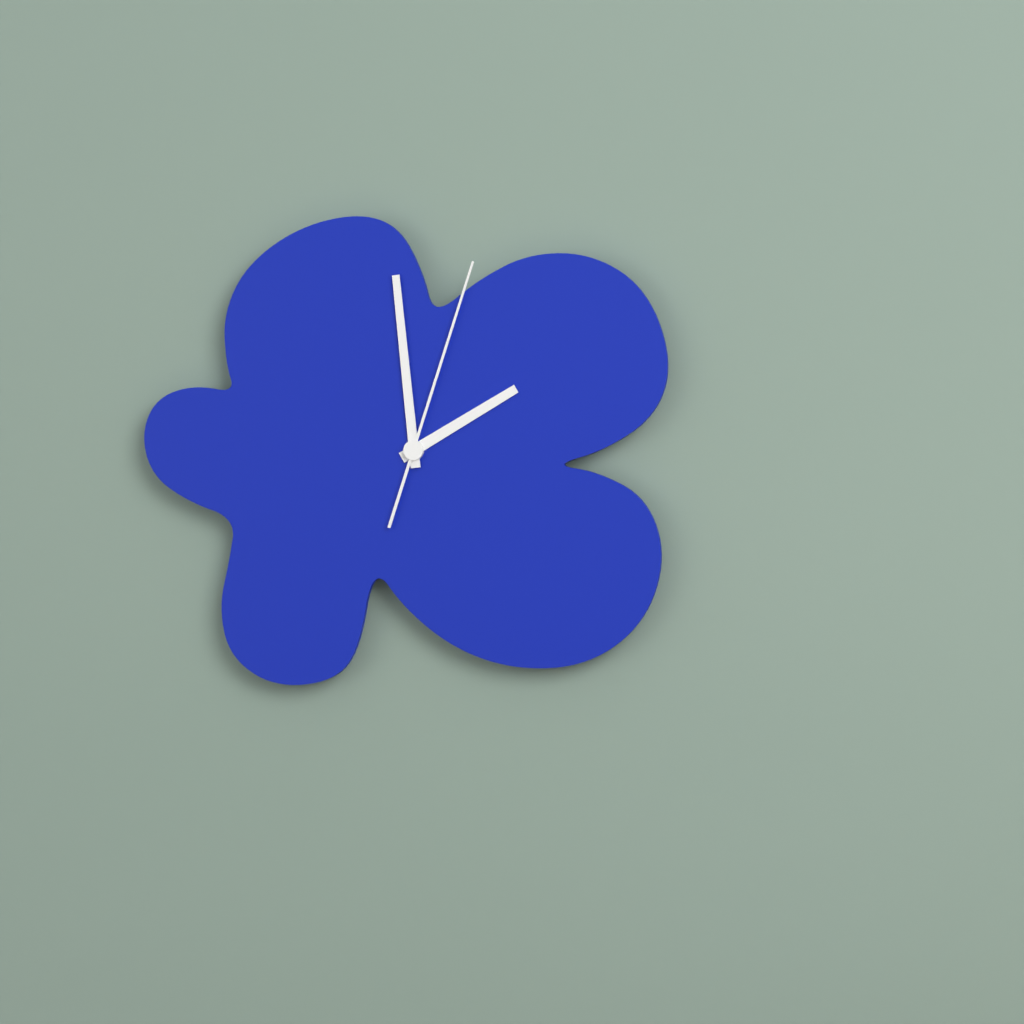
1:59:03
